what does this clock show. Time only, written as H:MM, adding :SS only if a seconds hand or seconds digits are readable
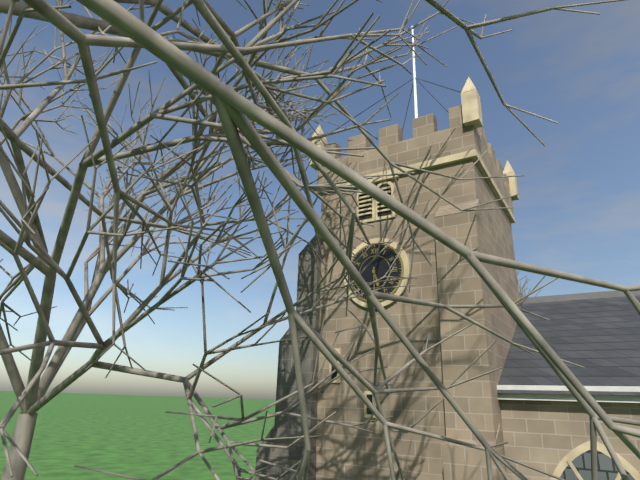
5:30
